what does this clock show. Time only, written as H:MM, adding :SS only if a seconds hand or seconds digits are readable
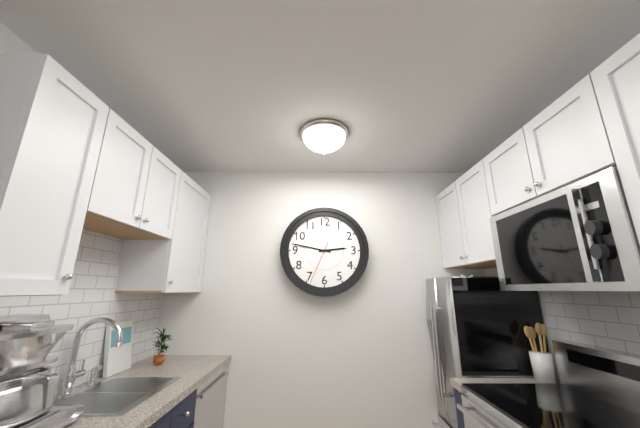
2:47
